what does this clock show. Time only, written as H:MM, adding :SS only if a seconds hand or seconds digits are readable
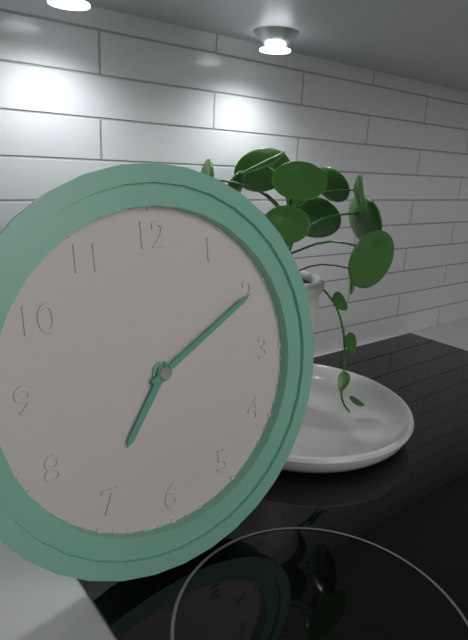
7:10
